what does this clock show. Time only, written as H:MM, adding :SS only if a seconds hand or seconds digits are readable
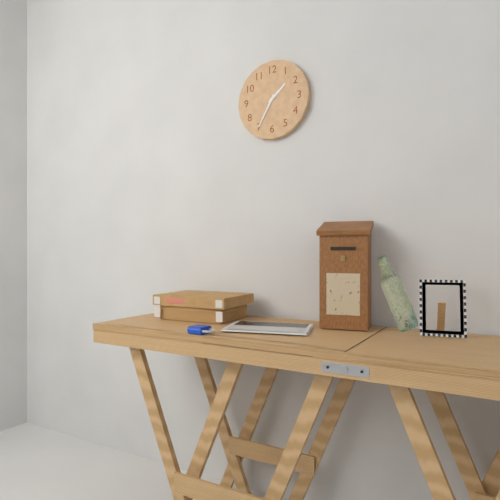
1:35
